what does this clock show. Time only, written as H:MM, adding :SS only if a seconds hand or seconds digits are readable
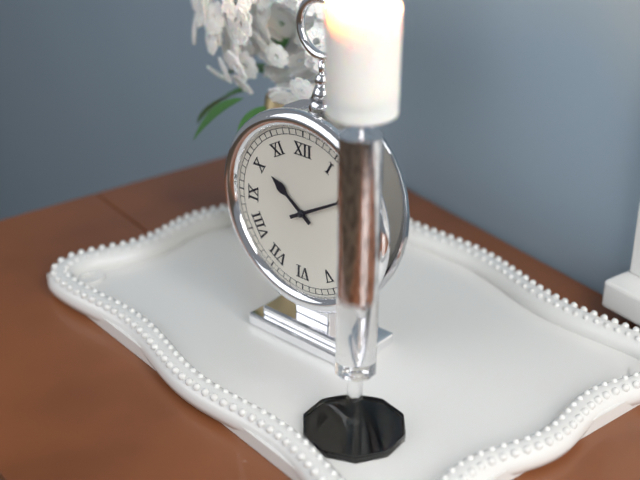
10:10
